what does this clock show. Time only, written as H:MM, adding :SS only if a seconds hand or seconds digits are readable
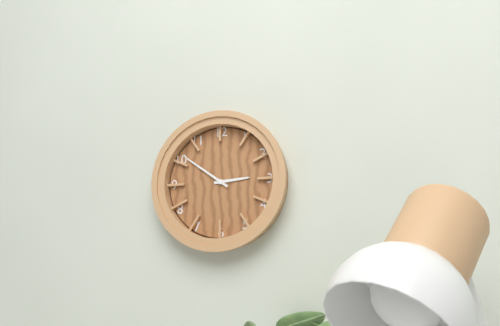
2:51
